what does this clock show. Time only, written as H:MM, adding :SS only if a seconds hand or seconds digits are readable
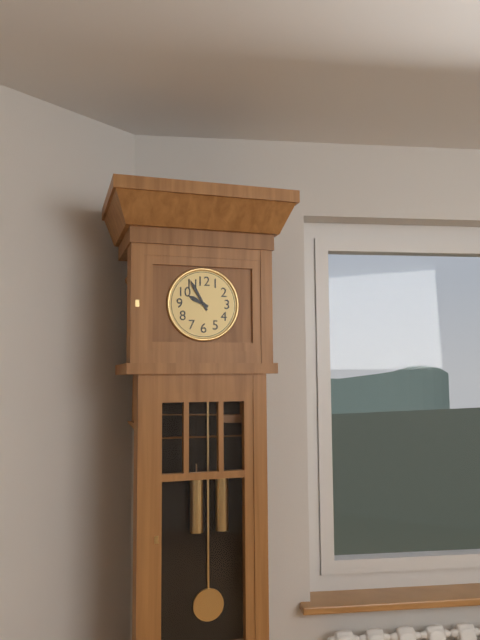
9:55
